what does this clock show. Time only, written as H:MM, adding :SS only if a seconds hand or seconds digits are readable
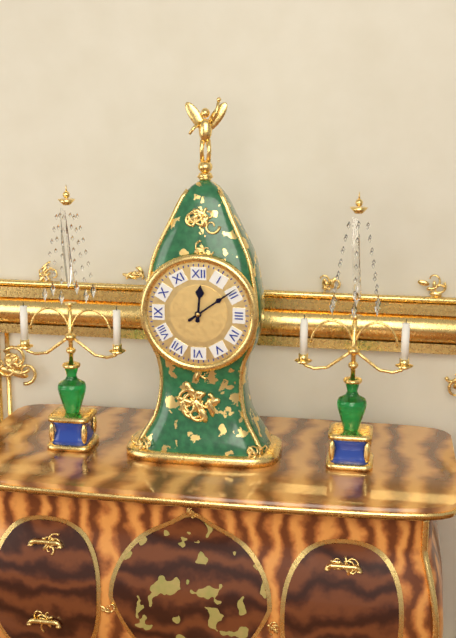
12:09
